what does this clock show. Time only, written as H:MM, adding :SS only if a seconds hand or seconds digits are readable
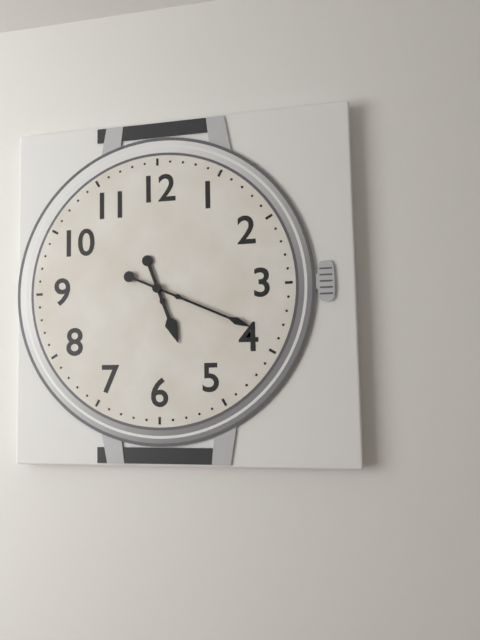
5:19
